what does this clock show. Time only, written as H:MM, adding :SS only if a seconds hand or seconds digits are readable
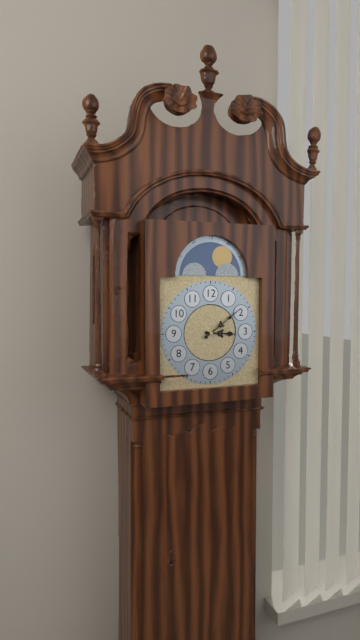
3:09
